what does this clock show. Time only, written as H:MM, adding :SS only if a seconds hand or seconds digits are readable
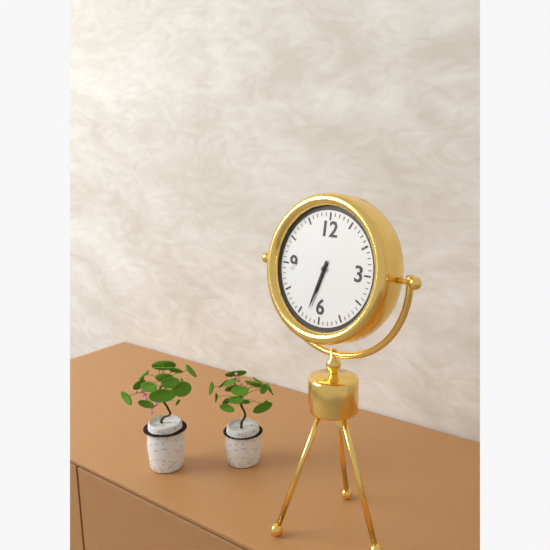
6:33
